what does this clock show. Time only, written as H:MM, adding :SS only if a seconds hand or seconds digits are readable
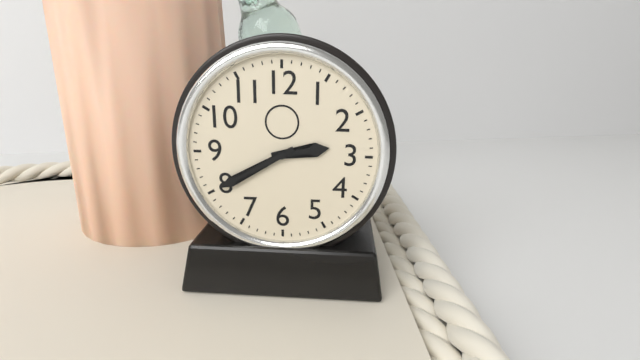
2:40
